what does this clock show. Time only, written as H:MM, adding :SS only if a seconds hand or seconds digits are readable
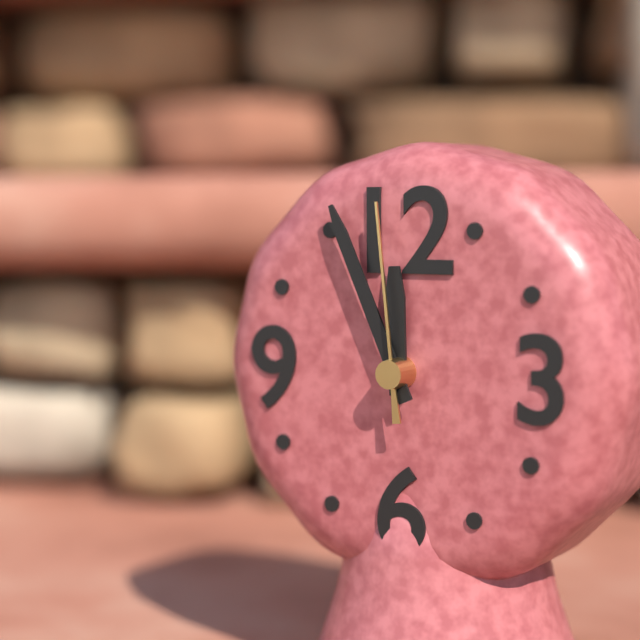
11:56:59
